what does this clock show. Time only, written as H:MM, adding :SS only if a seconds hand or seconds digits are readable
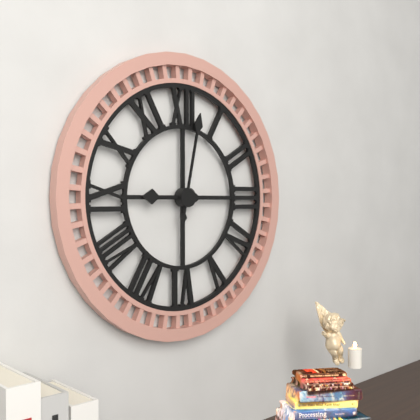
9:02
